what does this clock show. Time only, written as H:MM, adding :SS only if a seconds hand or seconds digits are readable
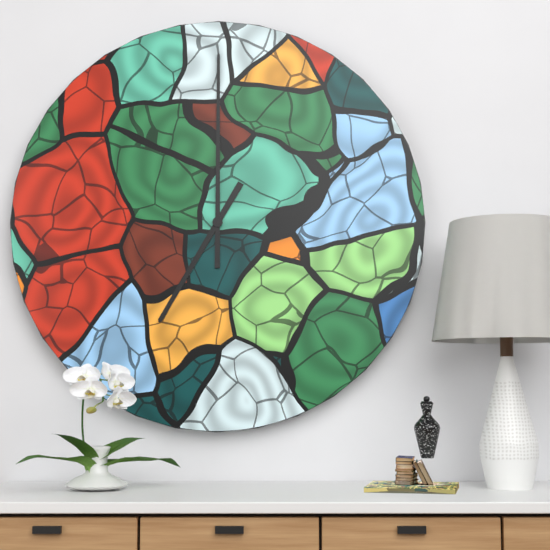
7:00
